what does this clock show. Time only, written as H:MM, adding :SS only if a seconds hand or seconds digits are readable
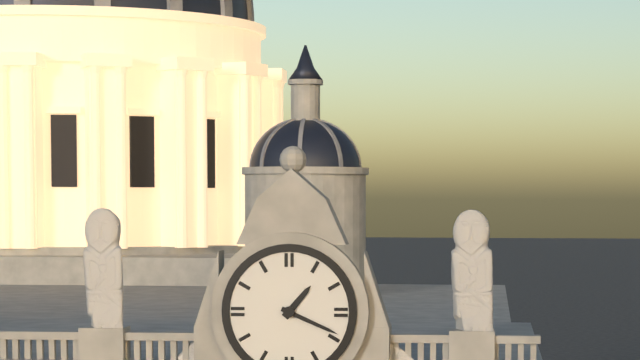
1:19
